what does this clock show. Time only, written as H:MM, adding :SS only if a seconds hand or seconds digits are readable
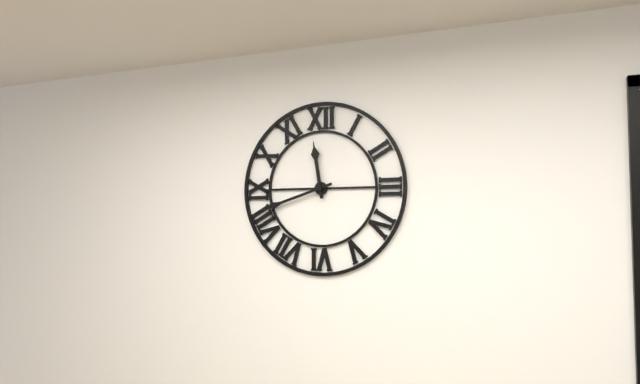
11:42
